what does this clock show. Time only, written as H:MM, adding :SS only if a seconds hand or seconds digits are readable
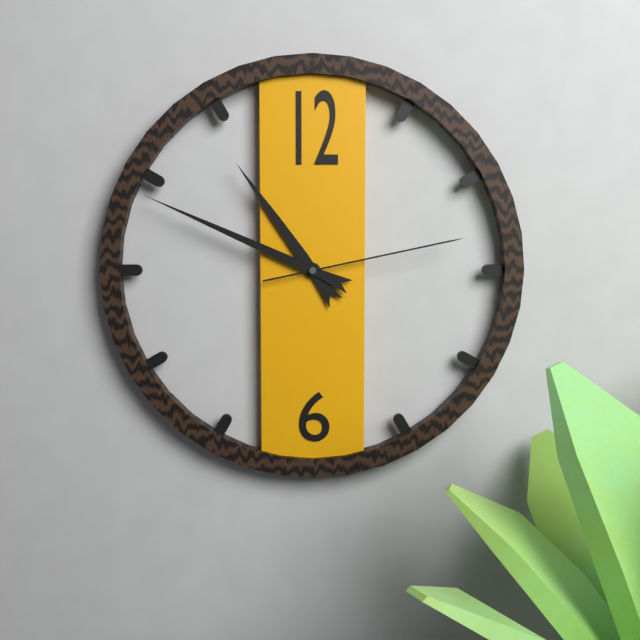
10:49:13
